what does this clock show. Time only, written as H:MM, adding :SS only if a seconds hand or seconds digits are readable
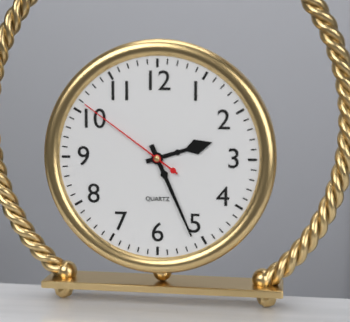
2:26:51
